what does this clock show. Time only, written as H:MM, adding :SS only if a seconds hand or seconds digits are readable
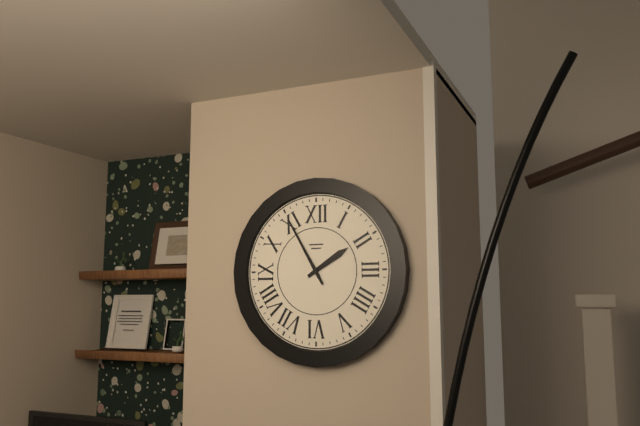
1:55
